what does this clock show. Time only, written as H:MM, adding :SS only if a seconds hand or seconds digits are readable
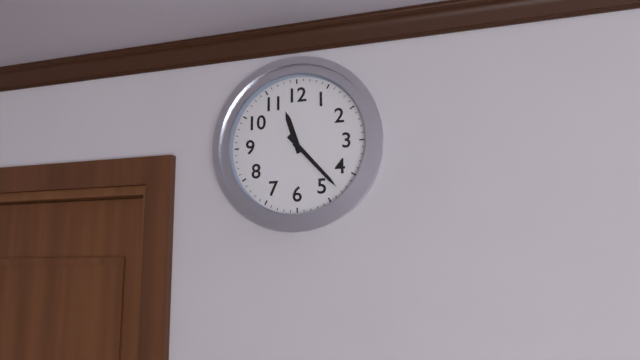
11:23
